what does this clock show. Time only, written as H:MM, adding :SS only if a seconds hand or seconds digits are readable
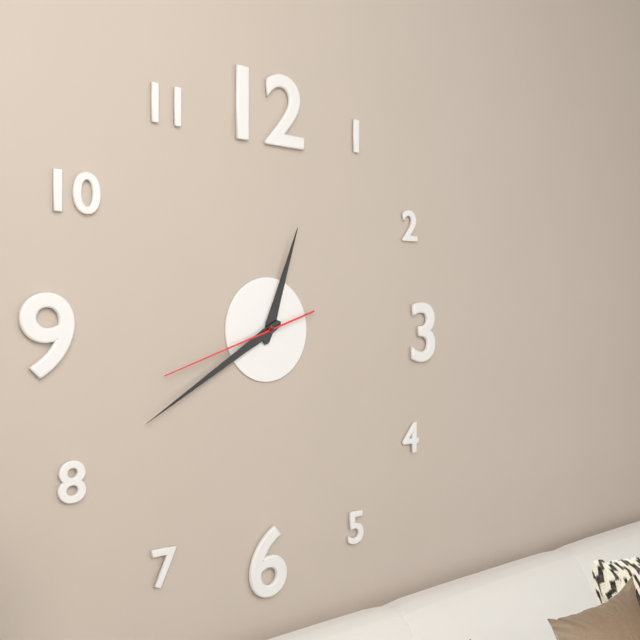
12:40:42
